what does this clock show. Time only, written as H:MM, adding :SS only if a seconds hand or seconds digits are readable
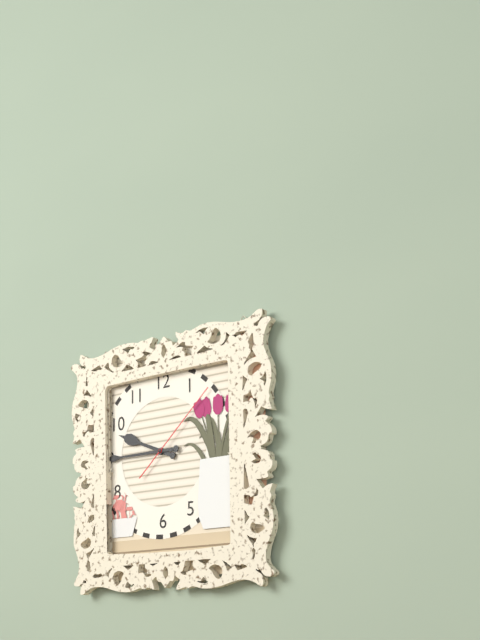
9:45:08
